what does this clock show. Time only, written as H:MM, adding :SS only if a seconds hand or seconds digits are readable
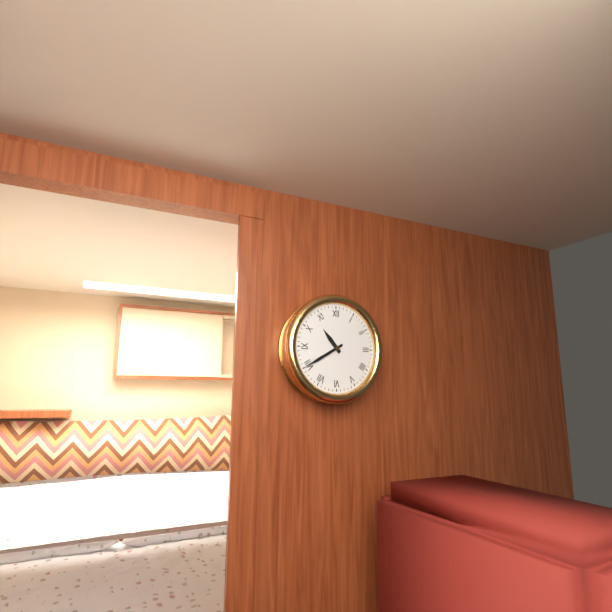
10:40
